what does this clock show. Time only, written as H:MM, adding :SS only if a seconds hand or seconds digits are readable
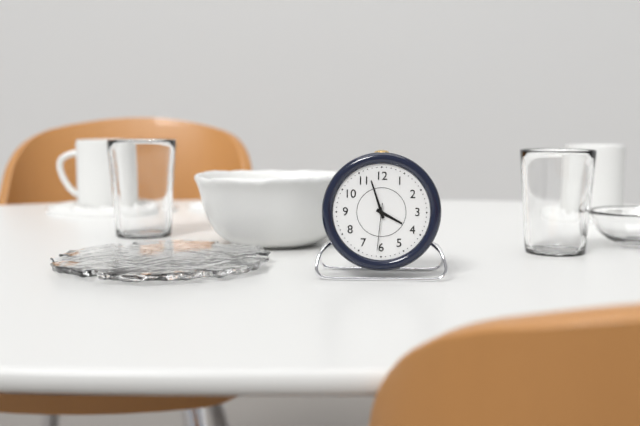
3:57
